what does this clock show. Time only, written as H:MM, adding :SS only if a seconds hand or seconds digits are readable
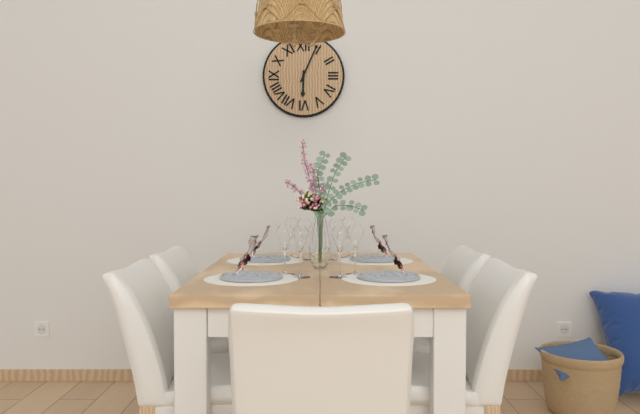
6:04
